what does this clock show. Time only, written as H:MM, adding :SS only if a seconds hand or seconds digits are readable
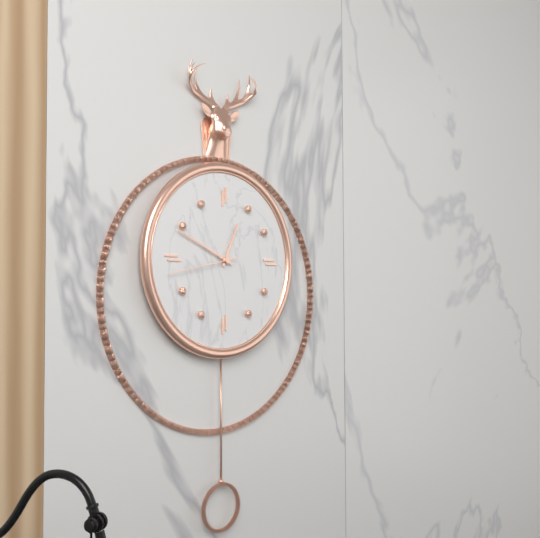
12:49:43
